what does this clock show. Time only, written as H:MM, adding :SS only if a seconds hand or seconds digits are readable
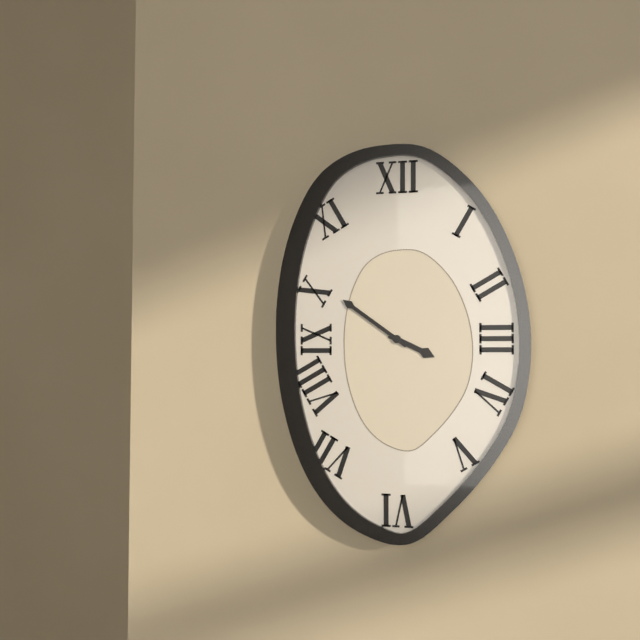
3:51
